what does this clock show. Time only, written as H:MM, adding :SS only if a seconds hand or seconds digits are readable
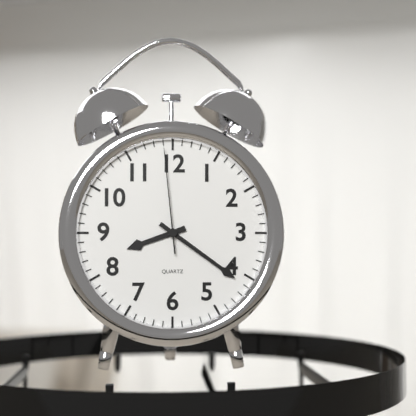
8:21:59
